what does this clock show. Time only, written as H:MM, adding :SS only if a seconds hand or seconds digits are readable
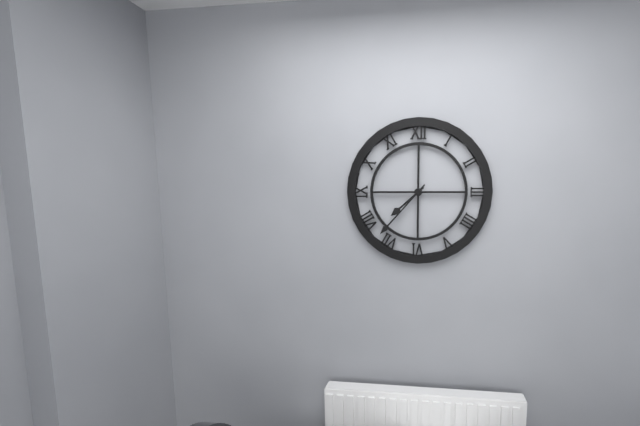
7:37
